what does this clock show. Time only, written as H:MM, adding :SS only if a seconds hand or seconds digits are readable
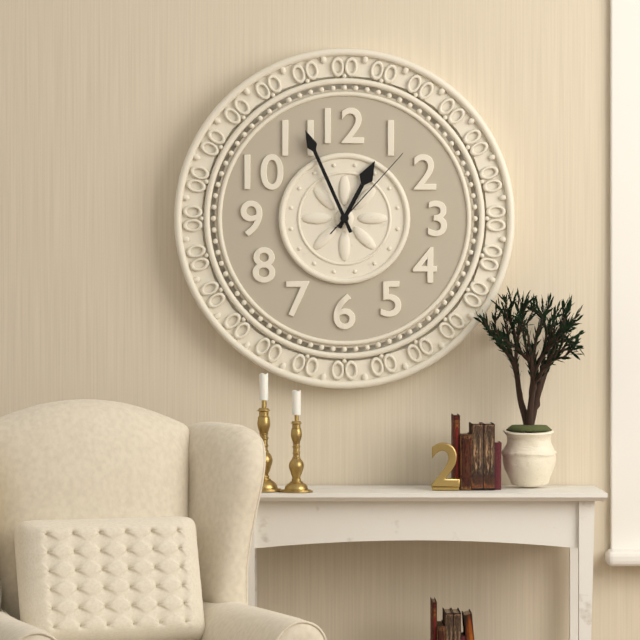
12:56:07
